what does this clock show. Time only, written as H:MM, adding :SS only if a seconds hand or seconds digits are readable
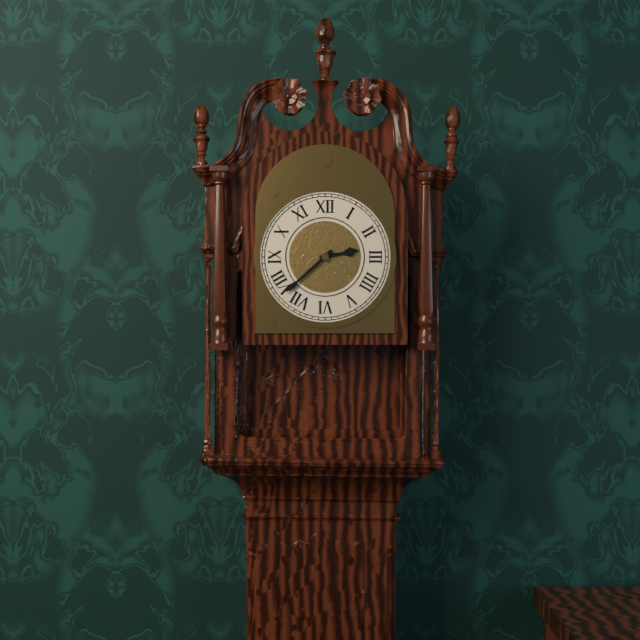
2:38
